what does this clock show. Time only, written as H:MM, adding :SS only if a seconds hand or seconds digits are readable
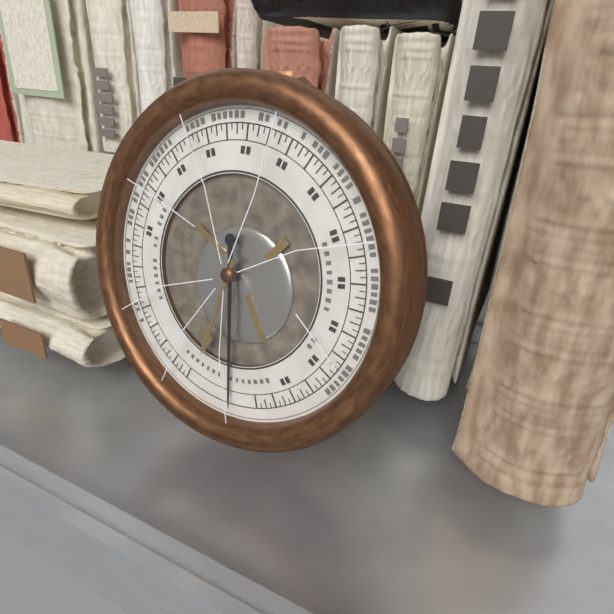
6:29
